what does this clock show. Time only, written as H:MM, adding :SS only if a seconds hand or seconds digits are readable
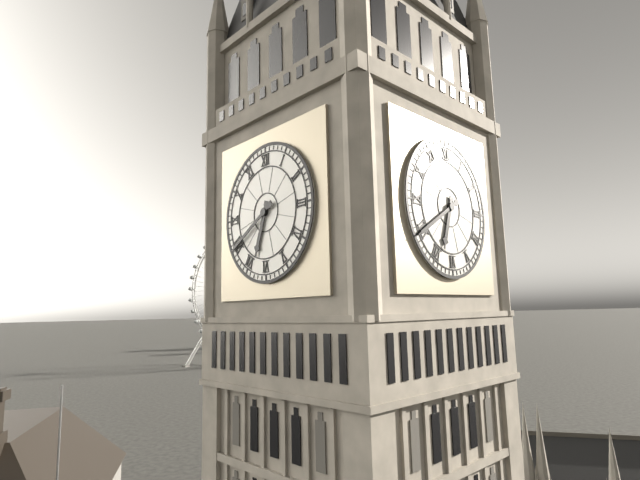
6:40
